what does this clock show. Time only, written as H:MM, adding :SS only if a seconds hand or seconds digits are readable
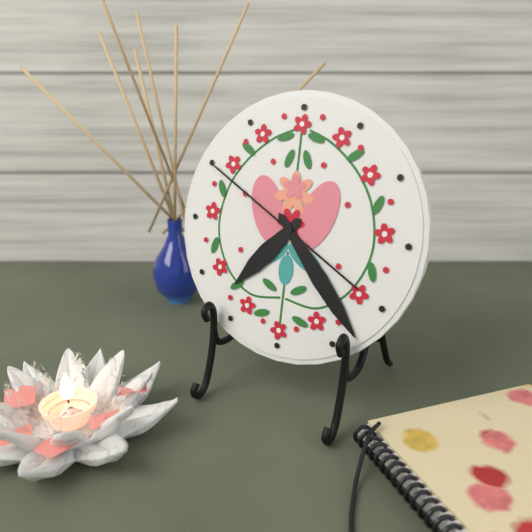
7:23:50
